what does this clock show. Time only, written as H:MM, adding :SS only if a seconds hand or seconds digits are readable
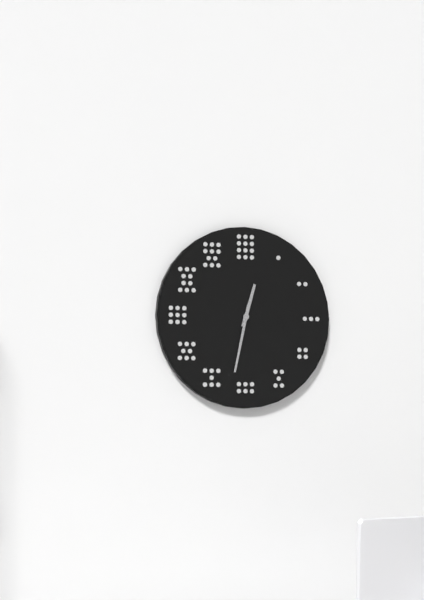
12:32
